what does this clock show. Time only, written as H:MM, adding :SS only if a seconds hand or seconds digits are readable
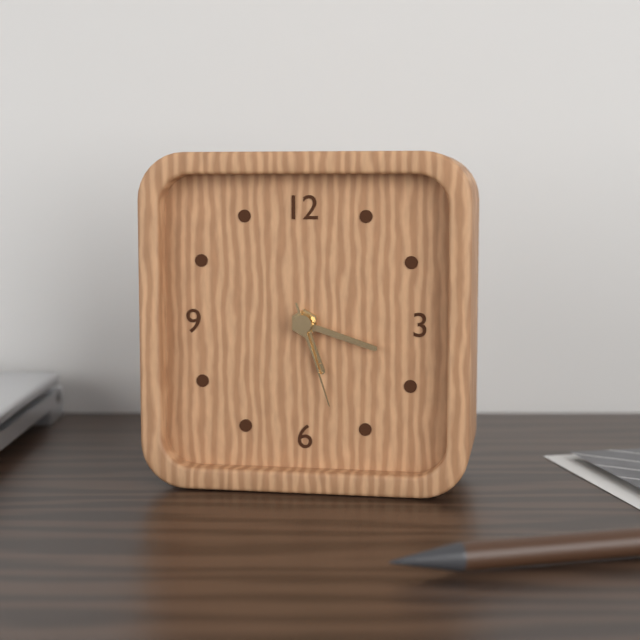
5:18:27
